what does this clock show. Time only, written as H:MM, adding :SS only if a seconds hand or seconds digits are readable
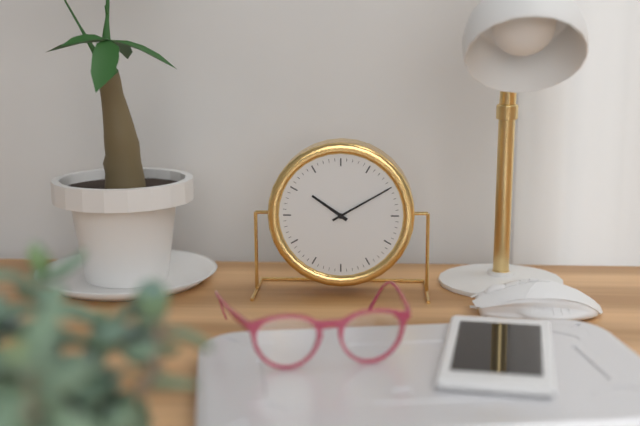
10:10
